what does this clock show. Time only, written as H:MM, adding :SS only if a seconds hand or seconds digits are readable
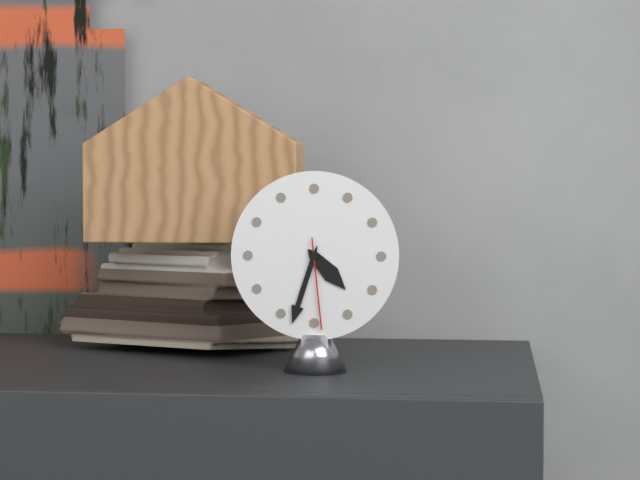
4:33:29
